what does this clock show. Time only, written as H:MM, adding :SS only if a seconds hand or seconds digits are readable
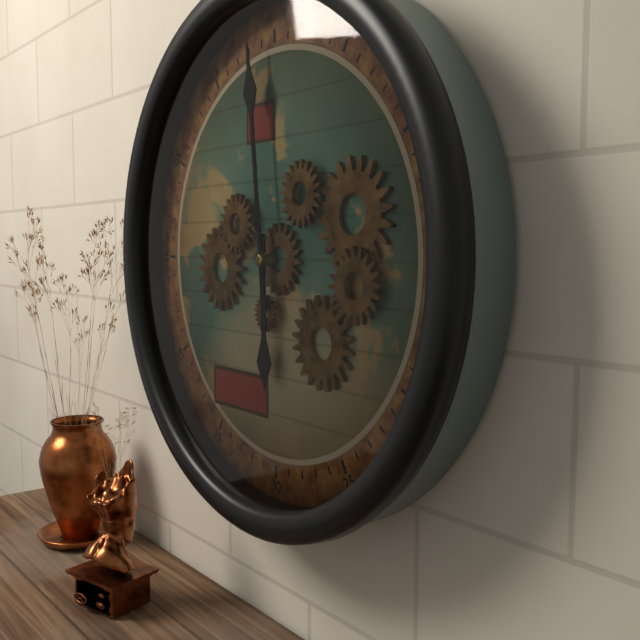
5:59
